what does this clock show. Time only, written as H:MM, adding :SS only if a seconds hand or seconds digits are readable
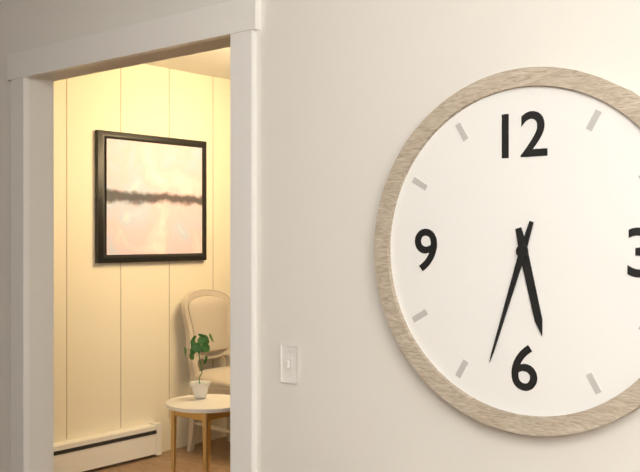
5:33
